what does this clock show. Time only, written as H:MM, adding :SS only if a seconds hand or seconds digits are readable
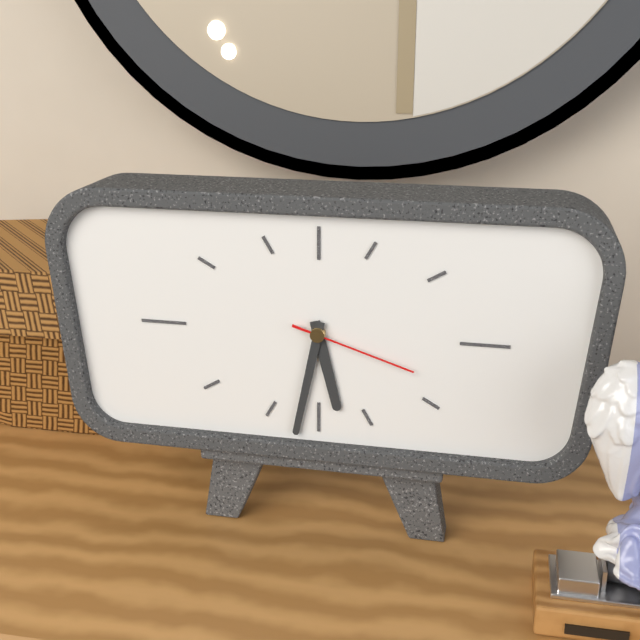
5:32:18
